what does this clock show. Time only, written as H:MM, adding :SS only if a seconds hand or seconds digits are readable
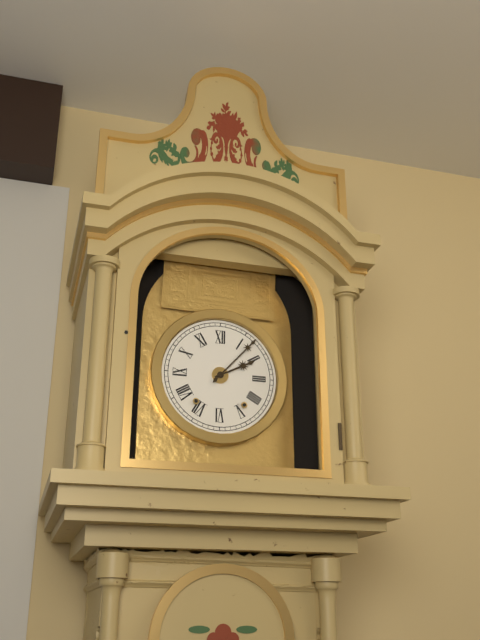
2:07
